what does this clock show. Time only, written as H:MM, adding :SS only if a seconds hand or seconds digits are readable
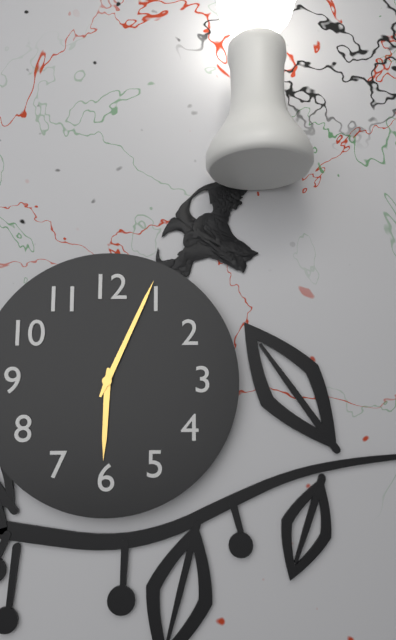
6:04
